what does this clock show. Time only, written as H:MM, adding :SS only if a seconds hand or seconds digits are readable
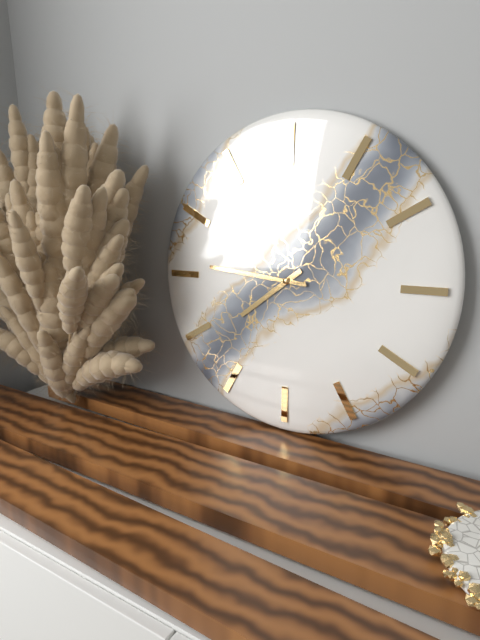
7:46
